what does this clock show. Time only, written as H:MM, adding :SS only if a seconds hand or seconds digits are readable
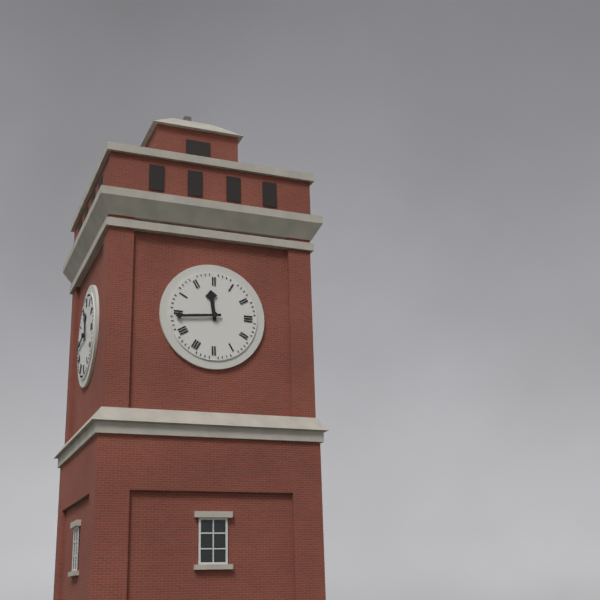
11:44
